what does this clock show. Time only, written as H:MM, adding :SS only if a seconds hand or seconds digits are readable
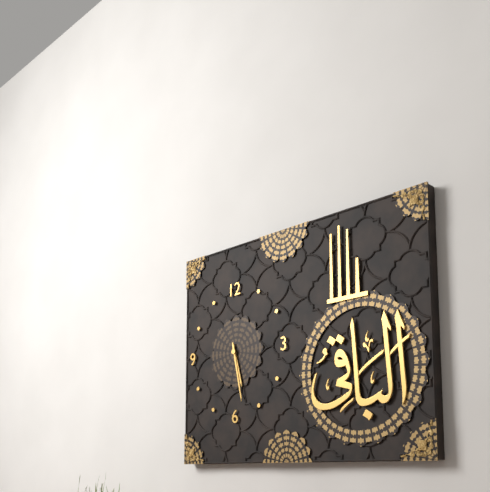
5:28
